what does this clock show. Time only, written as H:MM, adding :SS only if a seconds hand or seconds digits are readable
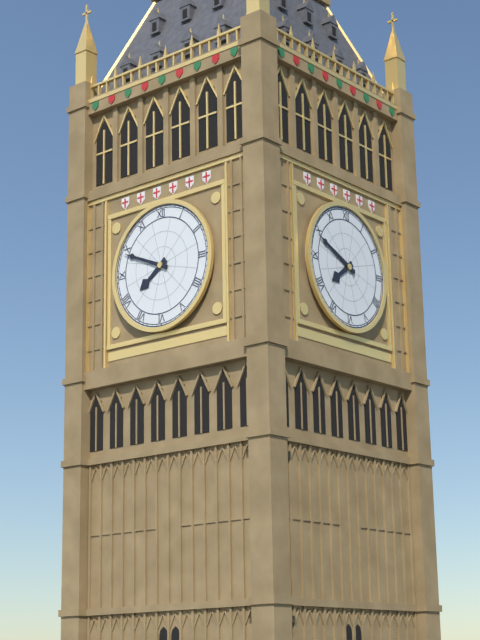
7:49
